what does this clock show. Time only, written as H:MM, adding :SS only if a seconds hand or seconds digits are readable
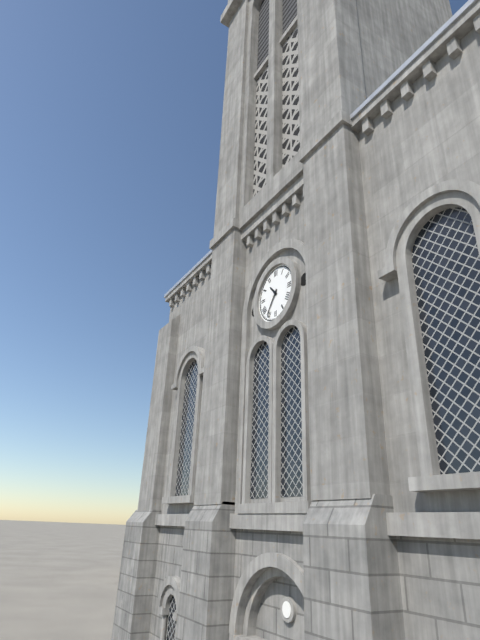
10:36
